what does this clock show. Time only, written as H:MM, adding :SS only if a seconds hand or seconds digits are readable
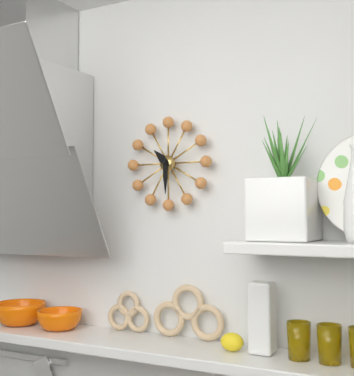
10:30
